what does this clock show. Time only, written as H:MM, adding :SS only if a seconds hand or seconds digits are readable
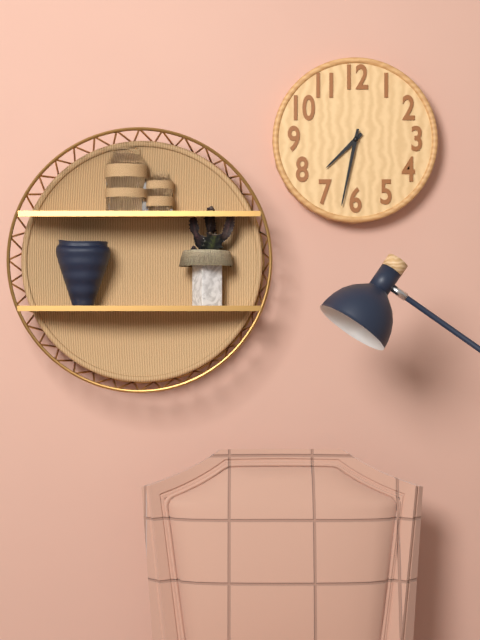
7:32
